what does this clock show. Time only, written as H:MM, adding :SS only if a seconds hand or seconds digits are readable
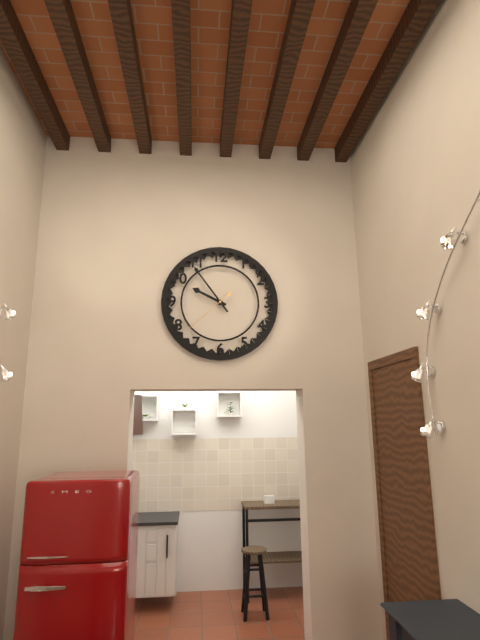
9:54:38
